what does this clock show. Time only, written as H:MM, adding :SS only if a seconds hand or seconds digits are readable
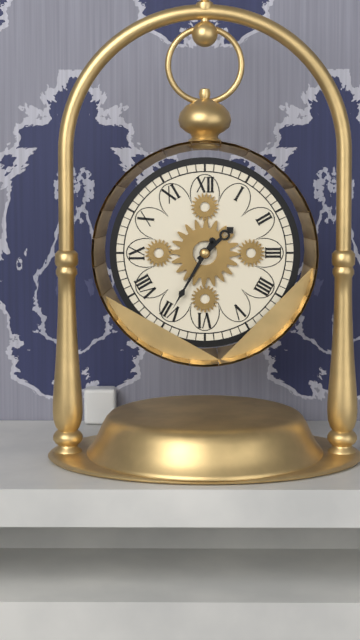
1:35
